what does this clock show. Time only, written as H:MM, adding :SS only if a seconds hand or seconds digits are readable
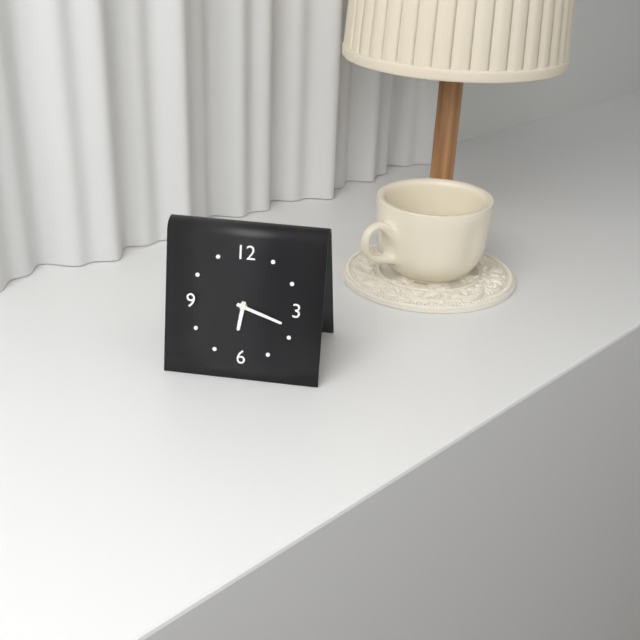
6:18
